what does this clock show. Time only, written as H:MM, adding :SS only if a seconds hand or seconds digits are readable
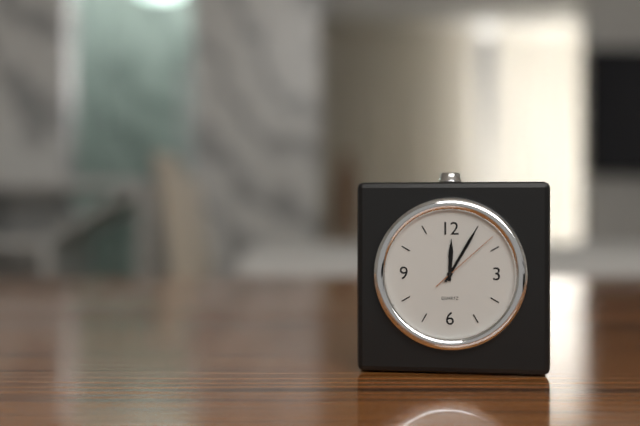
12:05:08
